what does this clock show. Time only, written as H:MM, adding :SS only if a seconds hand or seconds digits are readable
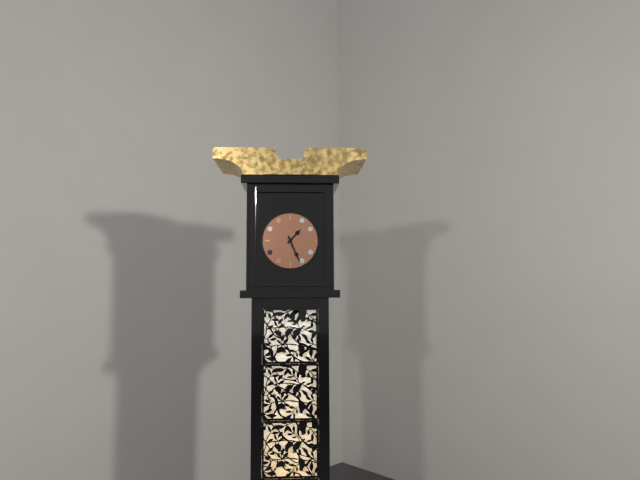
1:26
